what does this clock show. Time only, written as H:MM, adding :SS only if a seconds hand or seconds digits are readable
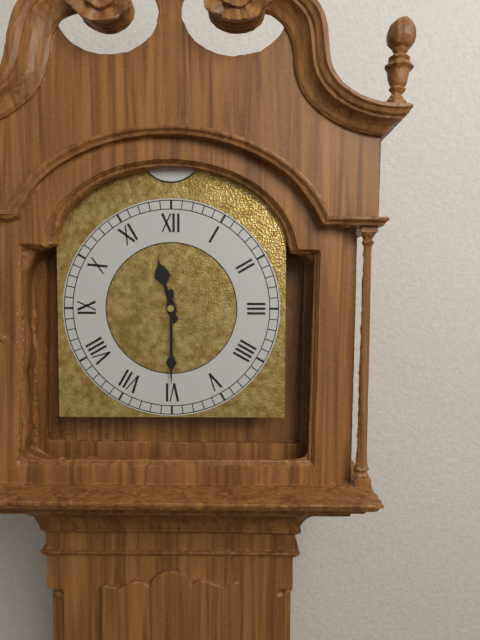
11:30
